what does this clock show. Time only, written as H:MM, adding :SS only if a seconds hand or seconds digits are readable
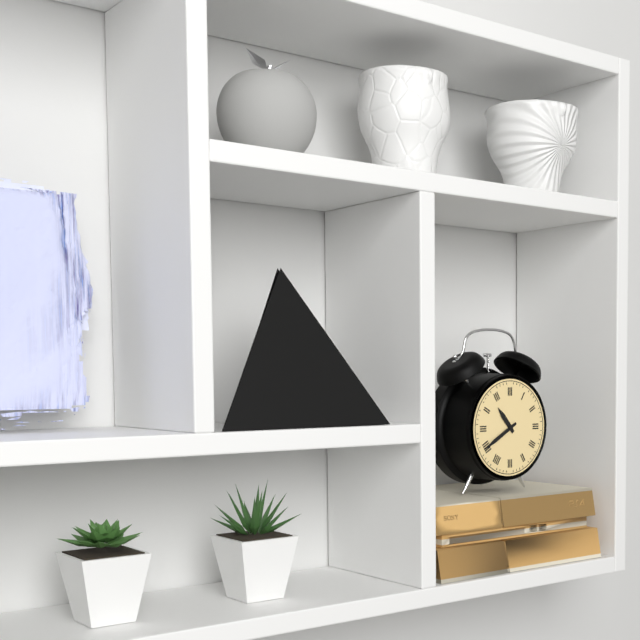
10:40
